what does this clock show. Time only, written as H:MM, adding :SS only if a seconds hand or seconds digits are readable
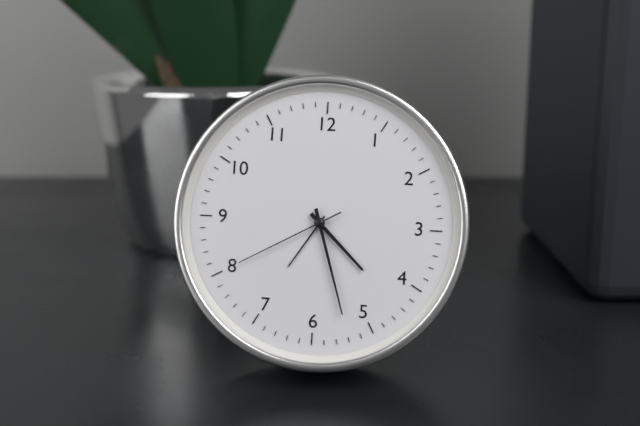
4:27:40
